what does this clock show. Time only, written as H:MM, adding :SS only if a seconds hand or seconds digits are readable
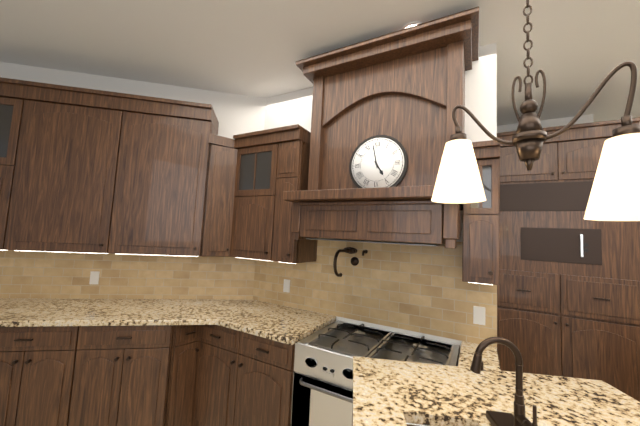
4:58
